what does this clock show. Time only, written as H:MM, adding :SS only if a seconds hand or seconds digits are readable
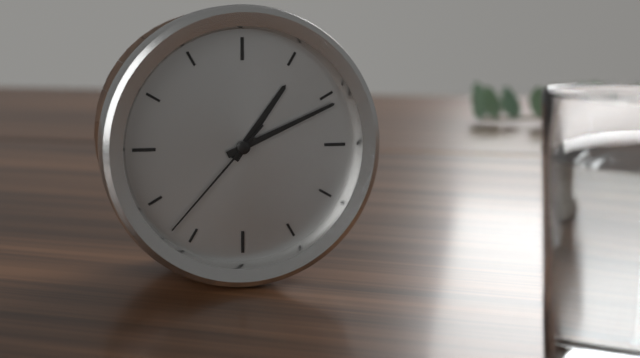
1:11:37
